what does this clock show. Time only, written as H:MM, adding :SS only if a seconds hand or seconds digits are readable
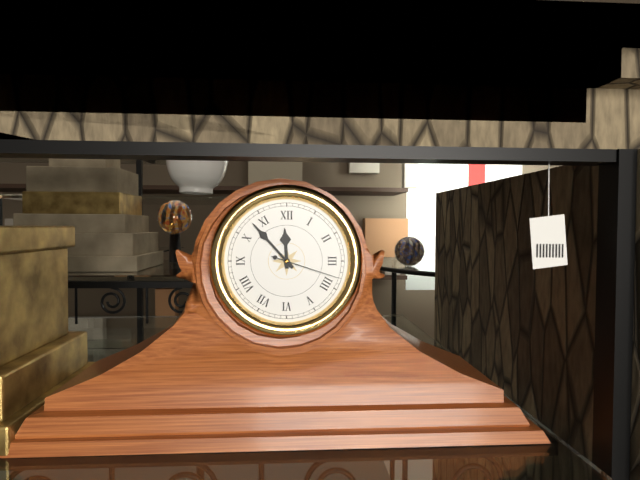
11:53:18
